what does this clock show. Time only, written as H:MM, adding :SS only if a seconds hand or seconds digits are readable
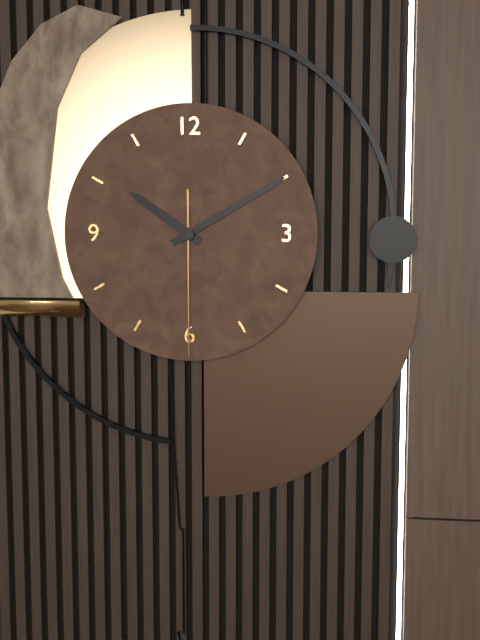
10:10:30
